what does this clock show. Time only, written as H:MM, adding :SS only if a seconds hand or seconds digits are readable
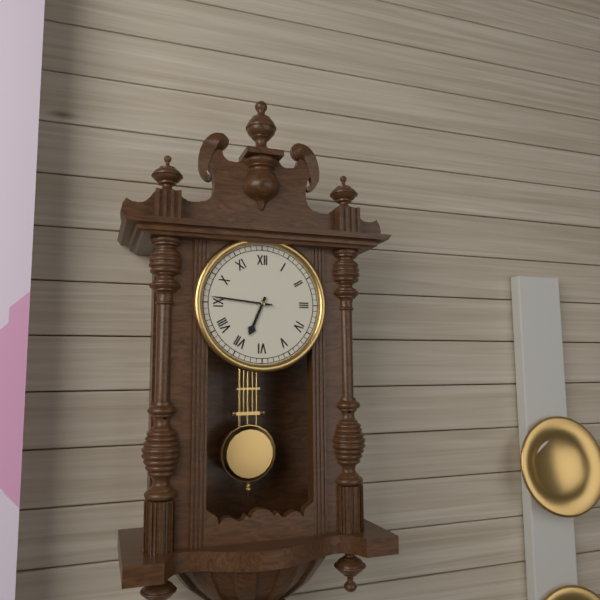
6:46
